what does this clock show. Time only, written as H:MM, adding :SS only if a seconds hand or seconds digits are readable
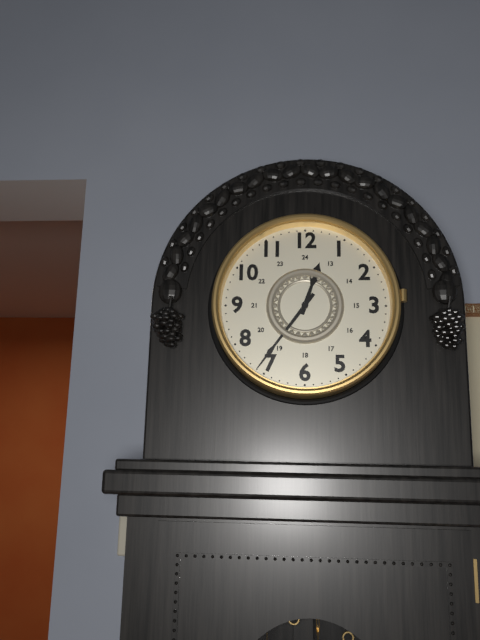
12:36
